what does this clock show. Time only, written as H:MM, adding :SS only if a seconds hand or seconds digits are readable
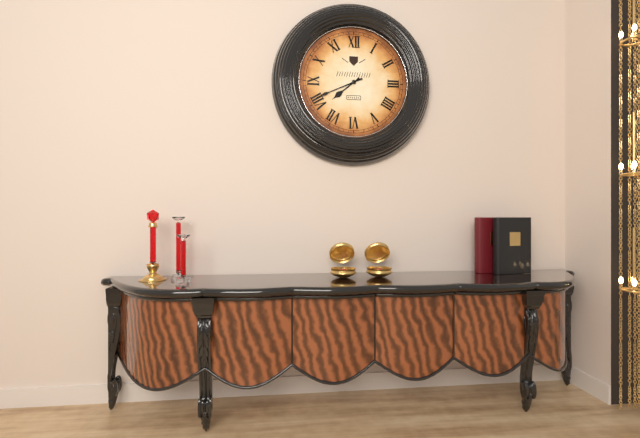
7:41
